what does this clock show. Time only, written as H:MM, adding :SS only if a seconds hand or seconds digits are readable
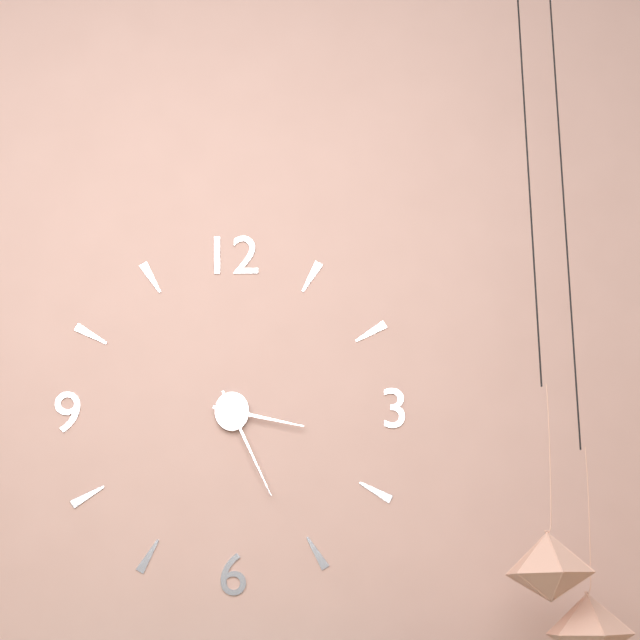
3:26
